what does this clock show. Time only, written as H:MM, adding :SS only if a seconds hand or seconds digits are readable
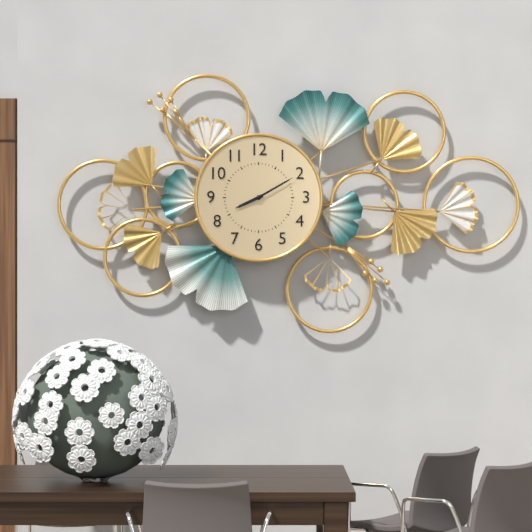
8:10
